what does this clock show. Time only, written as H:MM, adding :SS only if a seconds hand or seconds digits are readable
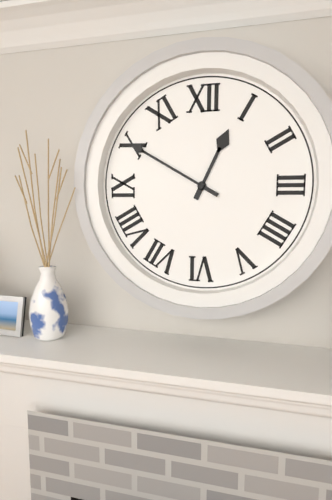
12:50
